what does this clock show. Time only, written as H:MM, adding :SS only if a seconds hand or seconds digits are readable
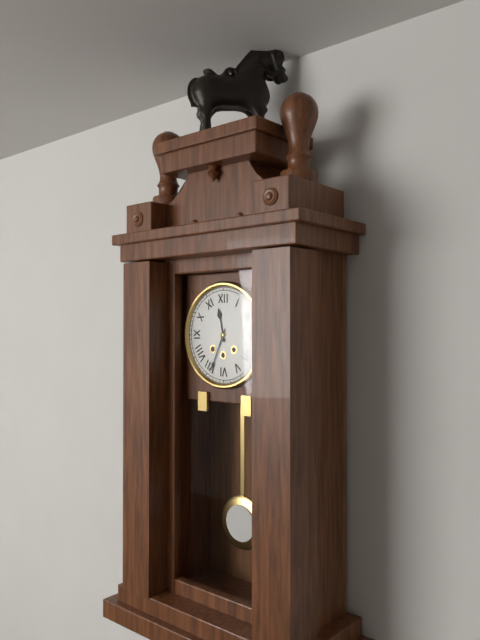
11:34
